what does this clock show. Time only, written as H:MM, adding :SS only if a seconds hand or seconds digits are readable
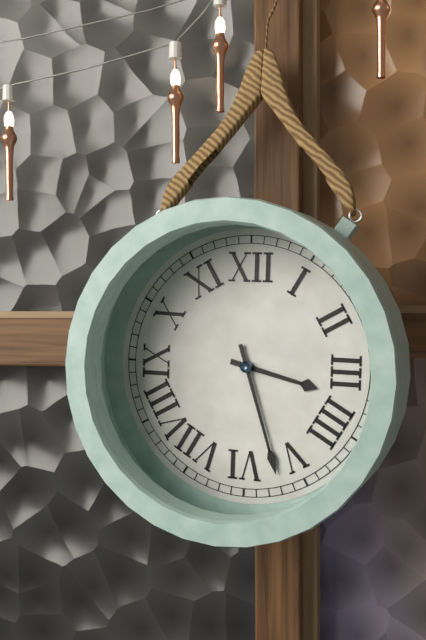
3:27
